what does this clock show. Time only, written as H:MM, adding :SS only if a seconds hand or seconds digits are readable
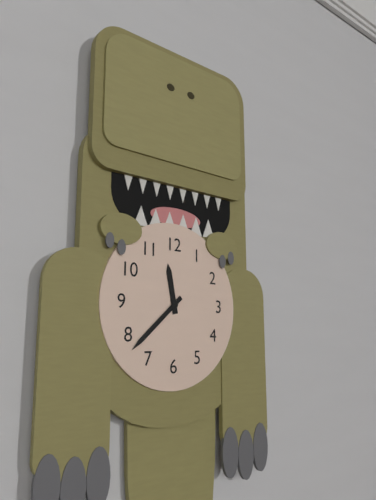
11:38
